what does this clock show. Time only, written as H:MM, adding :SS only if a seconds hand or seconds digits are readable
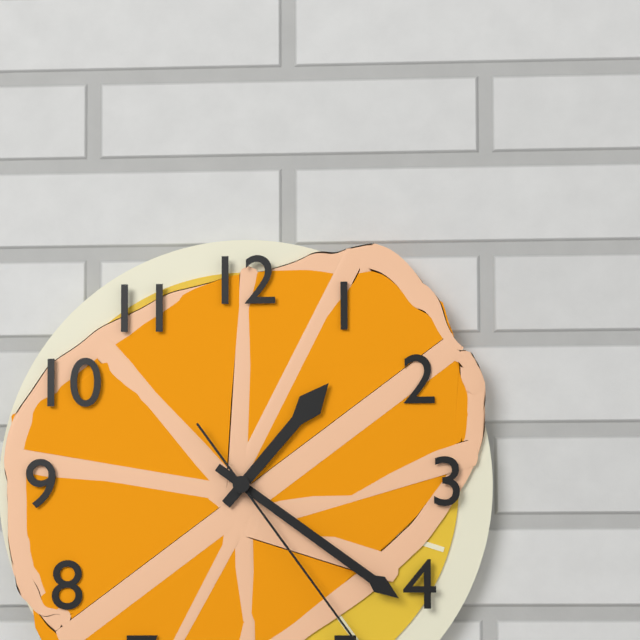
1:21
